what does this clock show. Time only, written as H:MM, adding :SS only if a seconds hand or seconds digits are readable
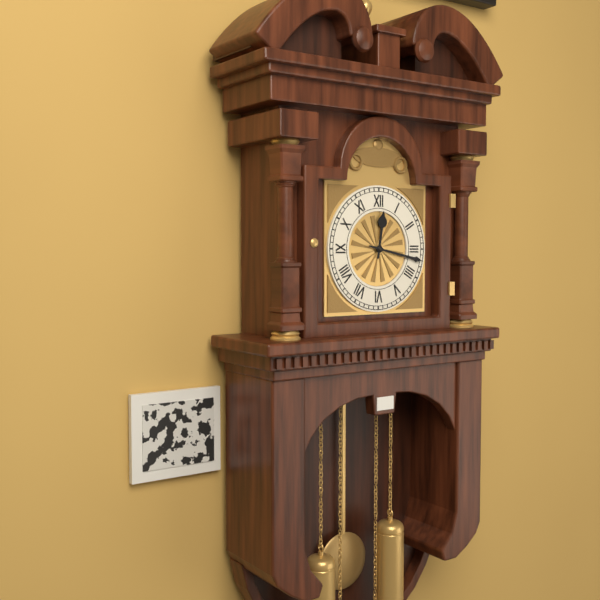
12:17
